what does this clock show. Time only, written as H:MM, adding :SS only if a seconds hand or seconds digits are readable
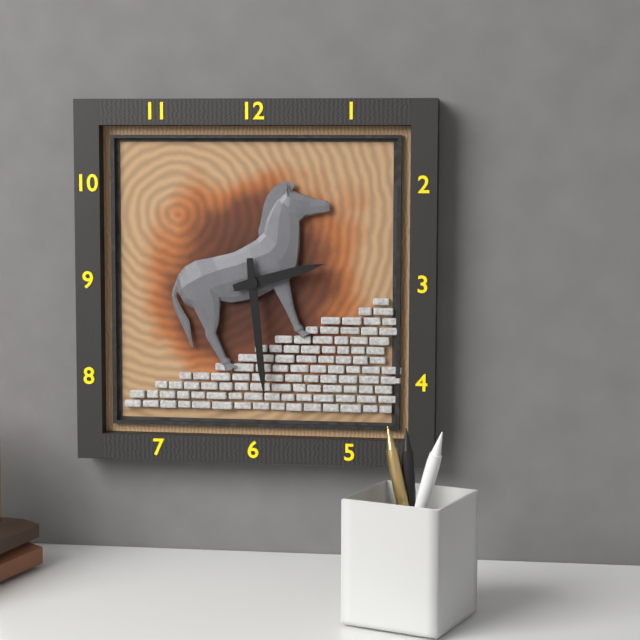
2:29
